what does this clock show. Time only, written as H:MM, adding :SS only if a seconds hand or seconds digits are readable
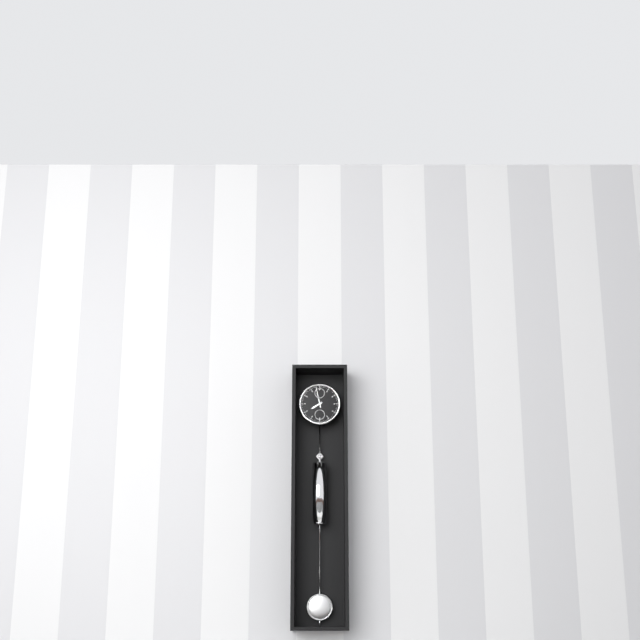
7:58
